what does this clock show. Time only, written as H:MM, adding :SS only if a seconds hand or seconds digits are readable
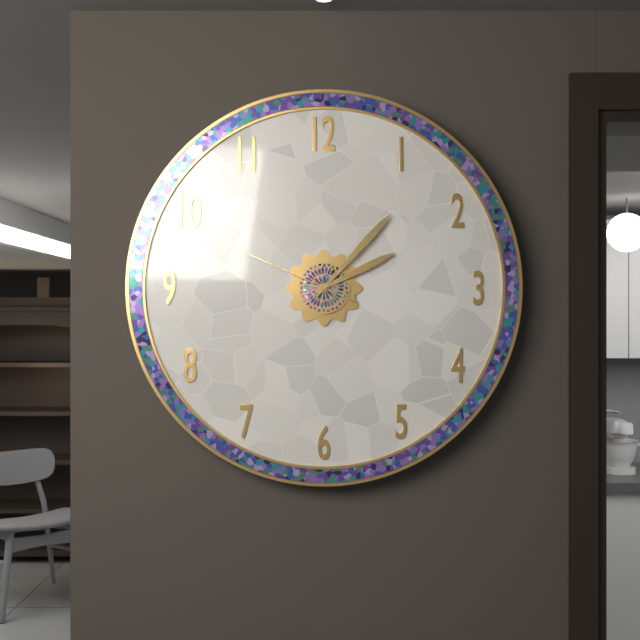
2:07:49
